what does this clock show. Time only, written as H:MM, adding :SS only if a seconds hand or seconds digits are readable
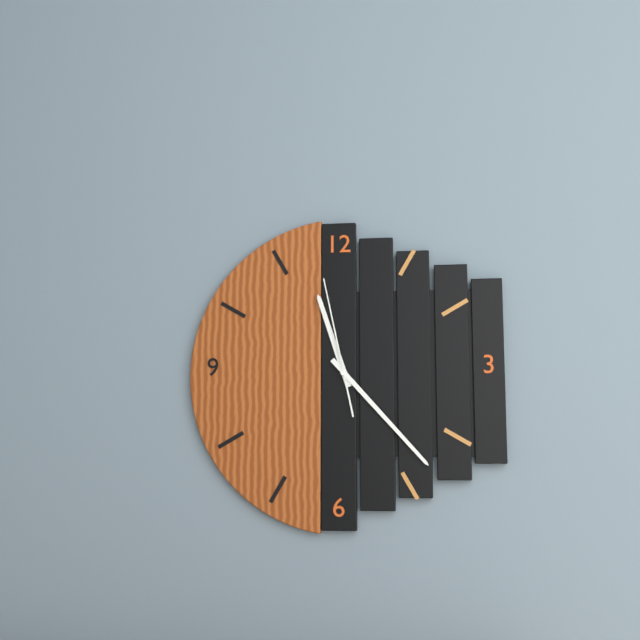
11:23:58
